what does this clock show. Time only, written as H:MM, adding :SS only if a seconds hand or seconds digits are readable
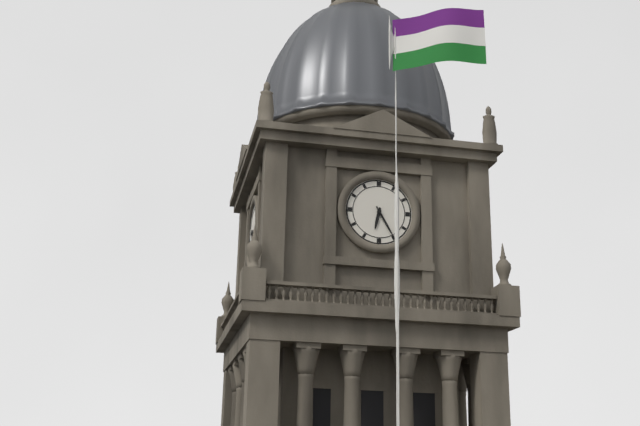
6:25
